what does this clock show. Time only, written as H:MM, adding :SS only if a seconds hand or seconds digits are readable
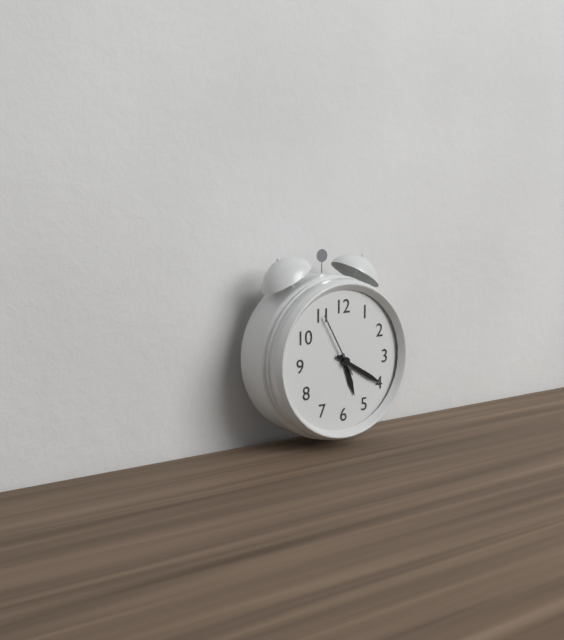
5:20:55
